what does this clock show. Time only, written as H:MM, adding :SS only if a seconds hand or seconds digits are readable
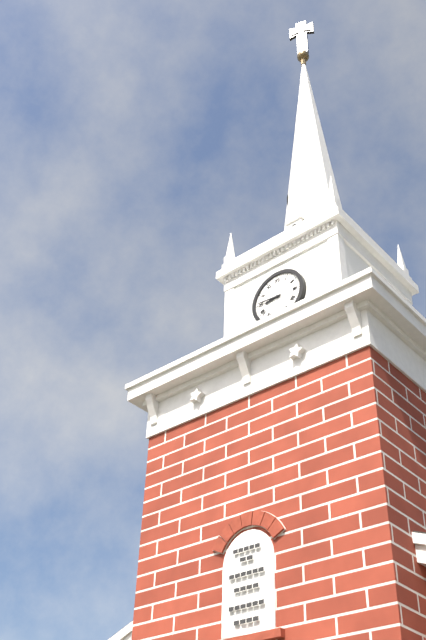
8:46
